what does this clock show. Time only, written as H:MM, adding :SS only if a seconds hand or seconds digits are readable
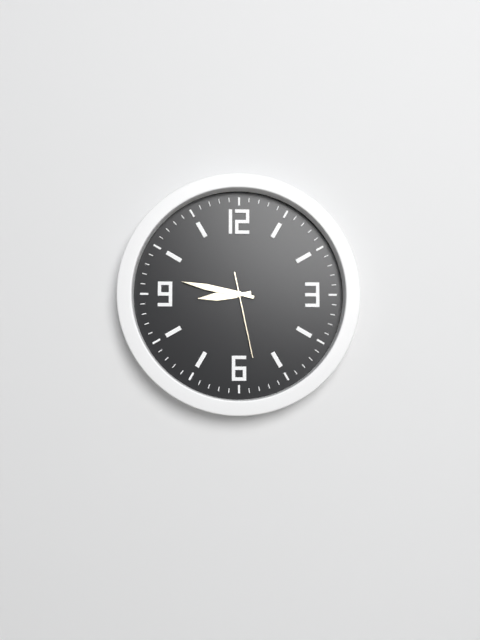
8:47:28
